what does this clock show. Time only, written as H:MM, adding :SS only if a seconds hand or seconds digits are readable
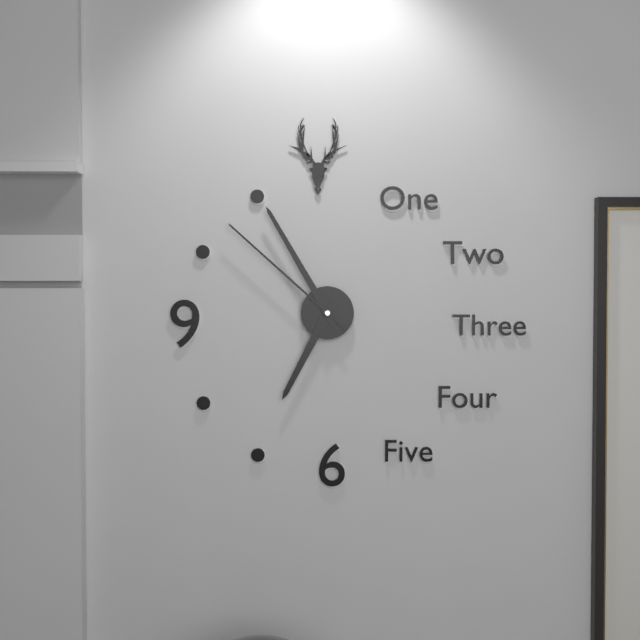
6:55:52
